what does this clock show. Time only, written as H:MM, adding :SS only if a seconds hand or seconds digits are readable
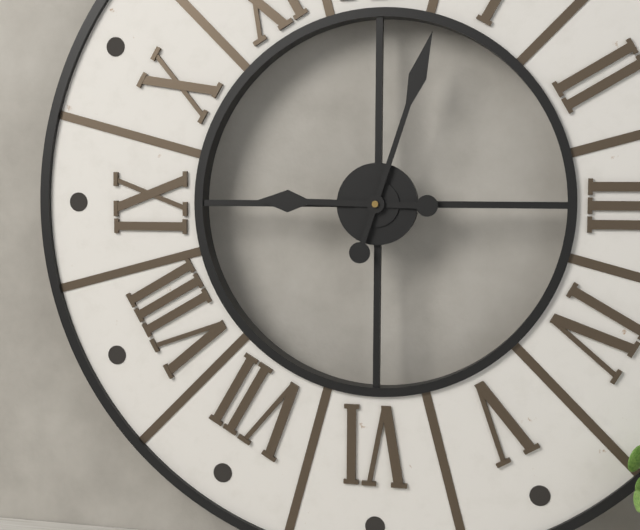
9:03
